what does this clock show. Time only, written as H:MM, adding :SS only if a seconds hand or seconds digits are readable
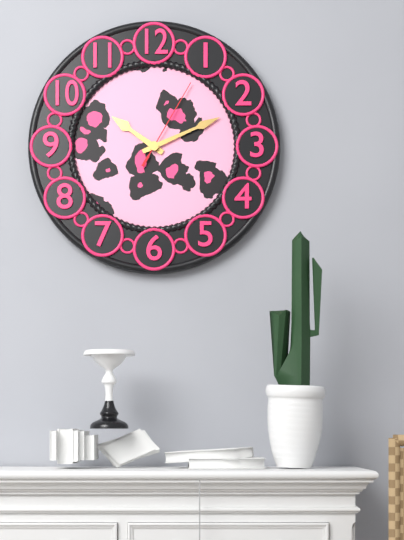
10:11:05
